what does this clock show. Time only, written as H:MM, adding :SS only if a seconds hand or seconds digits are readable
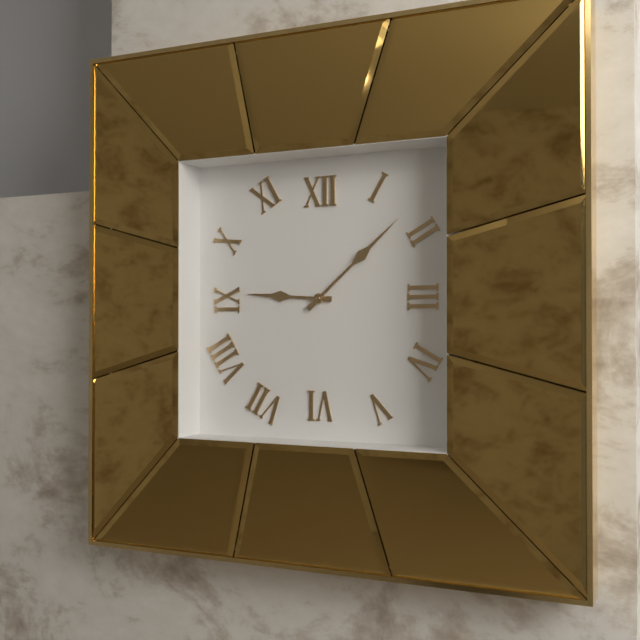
9:08
